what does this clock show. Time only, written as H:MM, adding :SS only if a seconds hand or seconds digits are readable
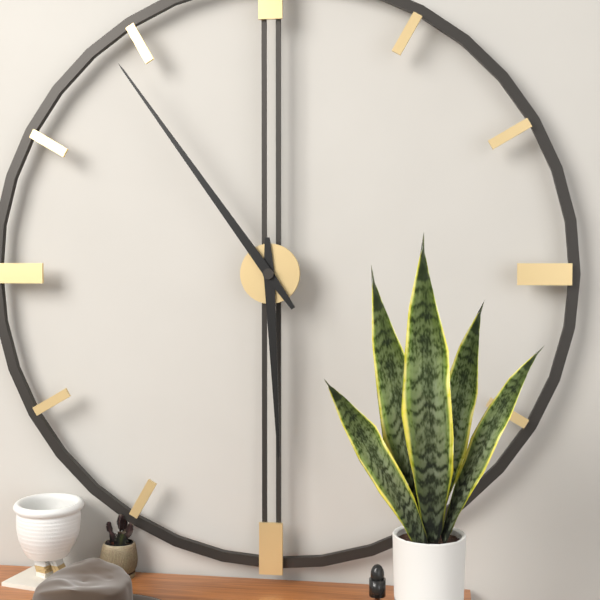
5:54
